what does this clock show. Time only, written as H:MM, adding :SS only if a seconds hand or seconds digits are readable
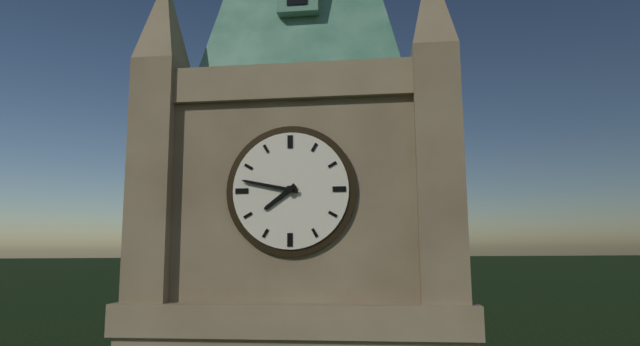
7:47
